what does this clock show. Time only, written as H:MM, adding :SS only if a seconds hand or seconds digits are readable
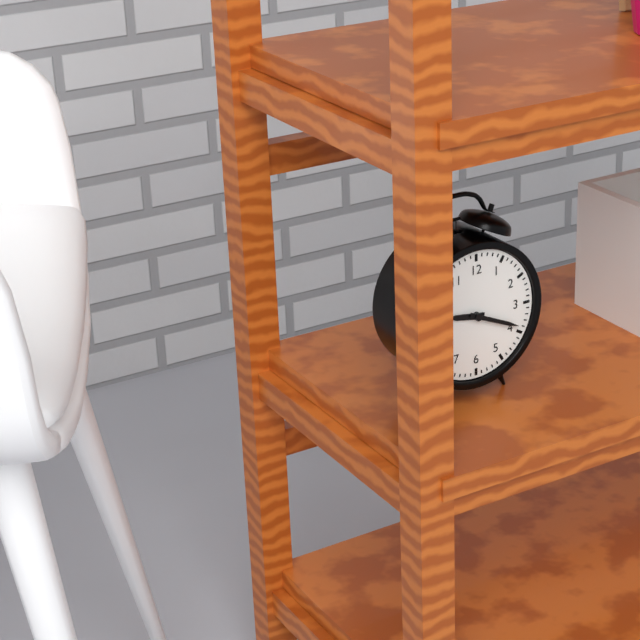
9:19
